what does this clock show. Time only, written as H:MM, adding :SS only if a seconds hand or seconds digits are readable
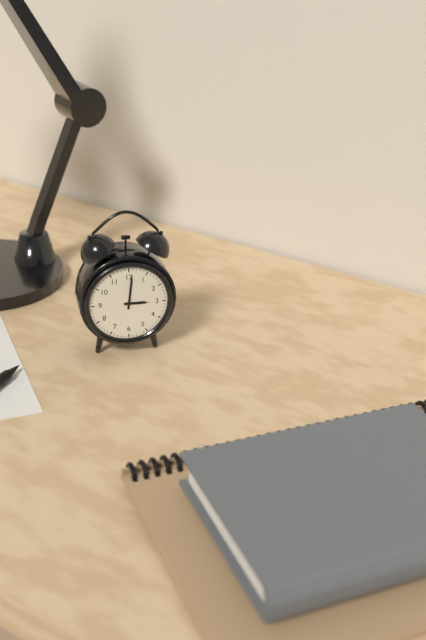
3:01
